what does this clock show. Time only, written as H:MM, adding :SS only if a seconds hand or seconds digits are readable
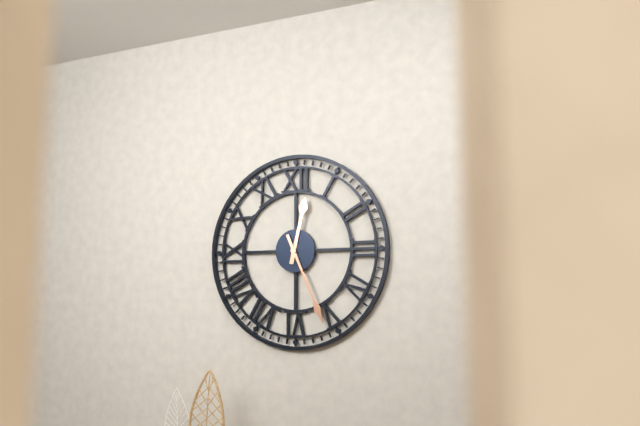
12:26
